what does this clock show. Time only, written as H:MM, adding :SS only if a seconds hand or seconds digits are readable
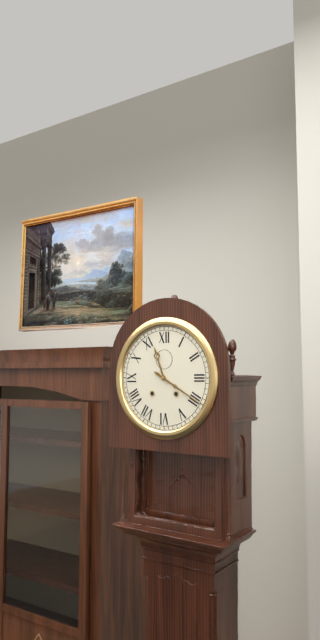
11:20
